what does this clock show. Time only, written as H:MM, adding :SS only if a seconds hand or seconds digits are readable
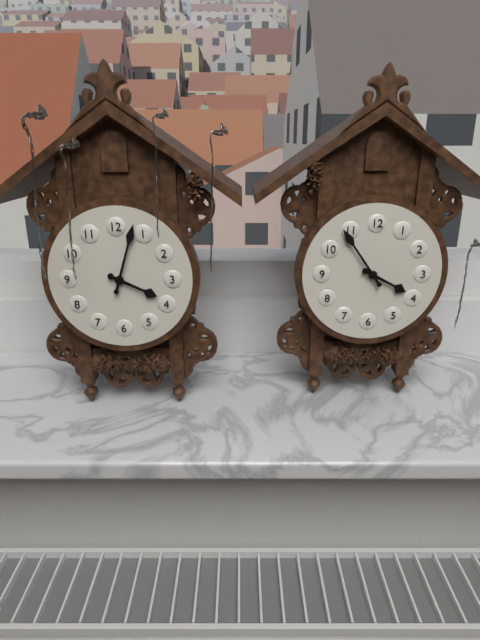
3:54
